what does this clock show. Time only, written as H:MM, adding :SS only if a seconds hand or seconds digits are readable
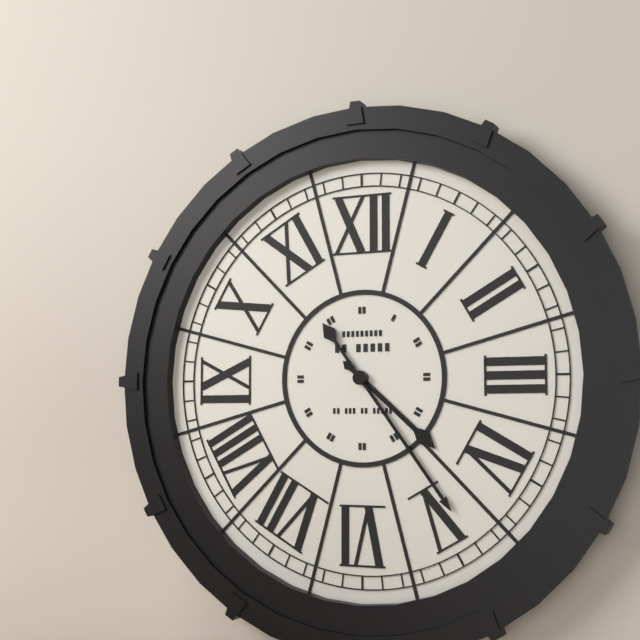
4:24
